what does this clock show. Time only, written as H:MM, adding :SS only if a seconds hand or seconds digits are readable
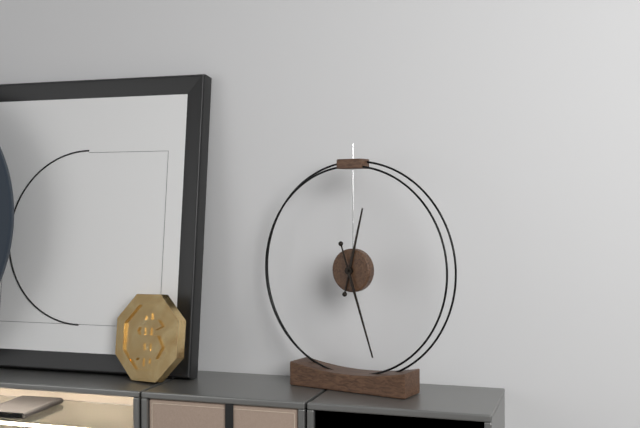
12:27
